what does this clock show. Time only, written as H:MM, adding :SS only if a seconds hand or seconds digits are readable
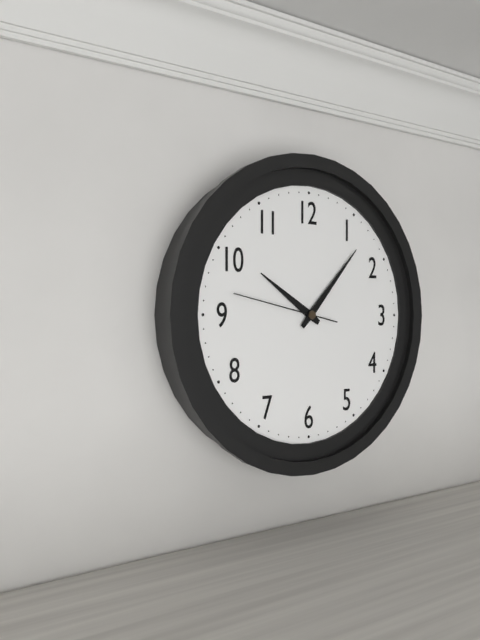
10:07:47
